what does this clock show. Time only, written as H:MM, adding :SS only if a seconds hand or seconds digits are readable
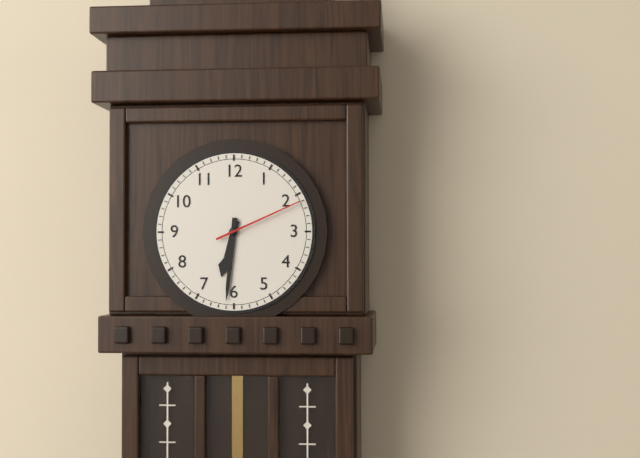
6:31:11
